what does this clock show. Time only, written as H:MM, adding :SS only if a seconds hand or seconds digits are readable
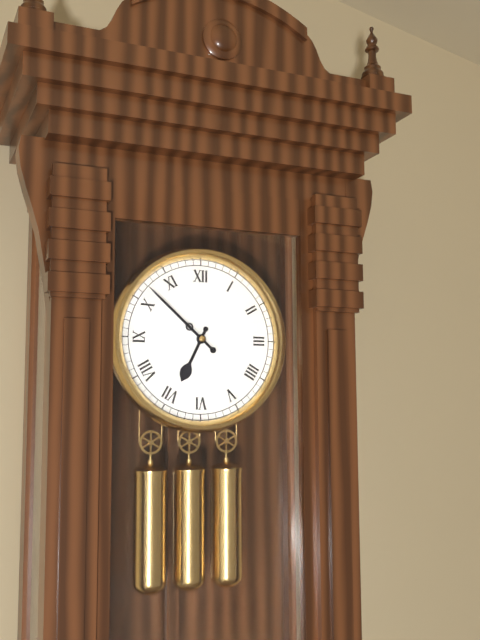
6:52
